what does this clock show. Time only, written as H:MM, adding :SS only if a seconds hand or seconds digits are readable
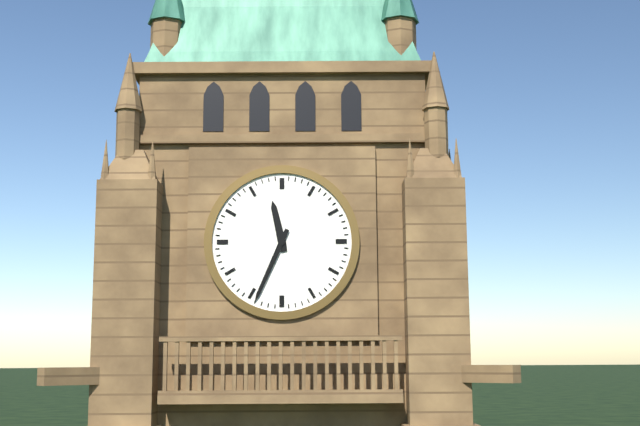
11:34
